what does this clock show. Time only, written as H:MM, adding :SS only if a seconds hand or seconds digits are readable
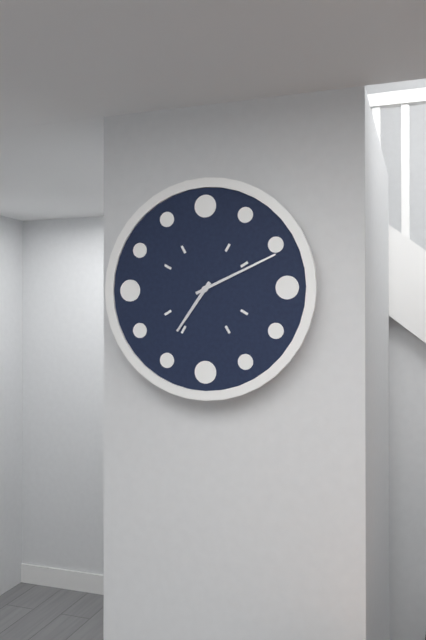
7:11
